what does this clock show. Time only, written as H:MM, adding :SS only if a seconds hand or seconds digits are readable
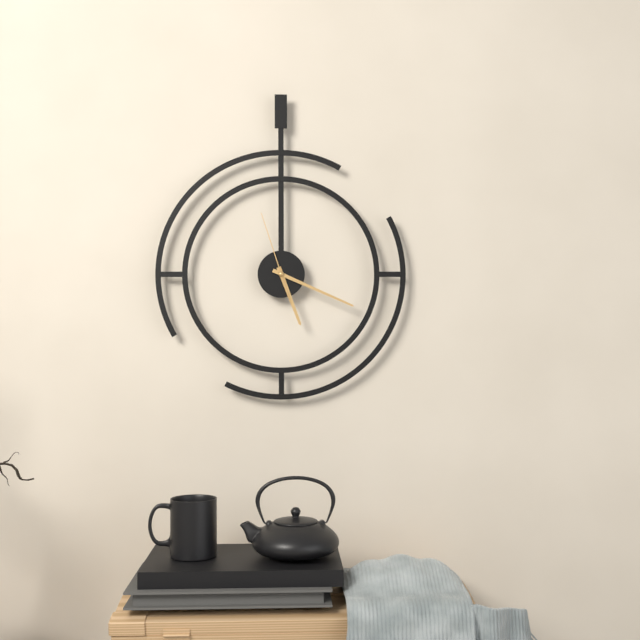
5:19:57
